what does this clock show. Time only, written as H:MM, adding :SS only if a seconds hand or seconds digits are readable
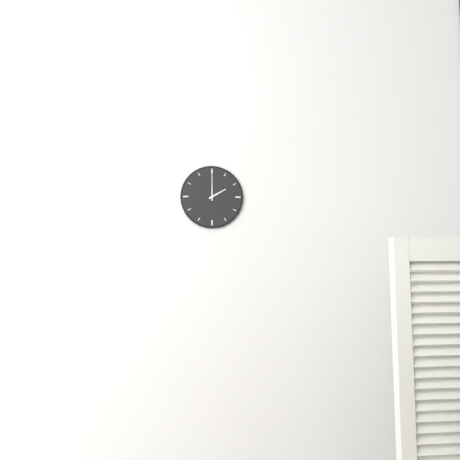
2:00
